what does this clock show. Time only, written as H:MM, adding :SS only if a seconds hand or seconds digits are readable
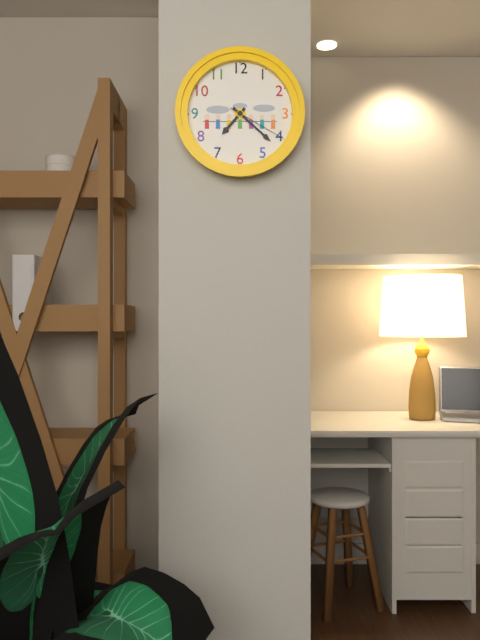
7:22:20
